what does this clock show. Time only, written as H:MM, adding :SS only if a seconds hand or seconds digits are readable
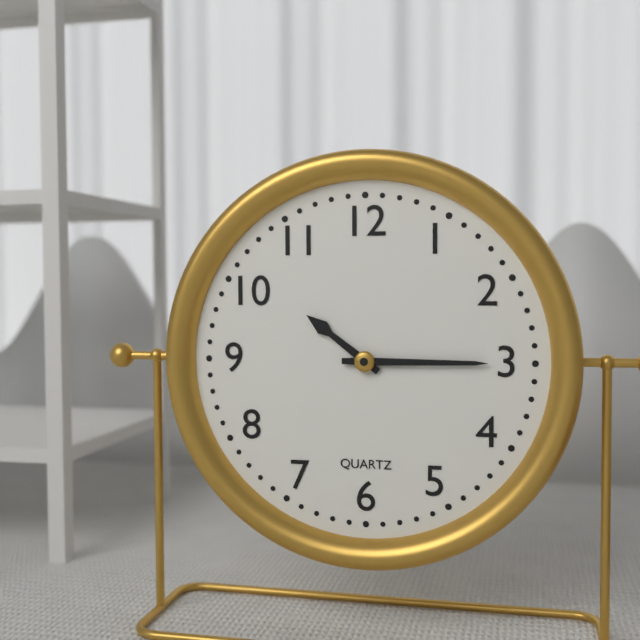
10:15
